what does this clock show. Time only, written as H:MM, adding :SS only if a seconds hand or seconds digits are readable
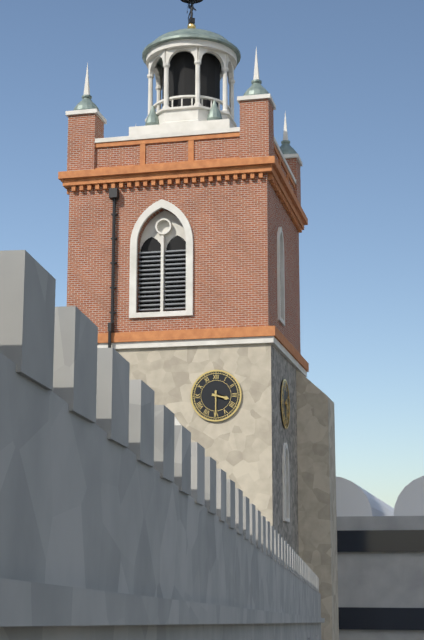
3:30
